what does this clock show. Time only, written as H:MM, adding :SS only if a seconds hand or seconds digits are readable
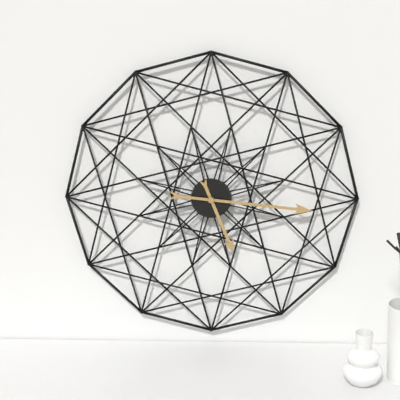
5:16
